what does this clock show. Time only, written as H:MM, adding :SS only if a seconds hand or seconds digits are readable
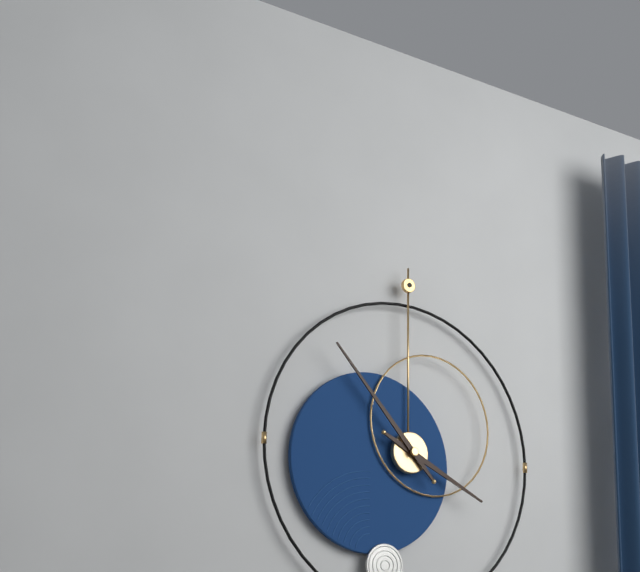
3:53
